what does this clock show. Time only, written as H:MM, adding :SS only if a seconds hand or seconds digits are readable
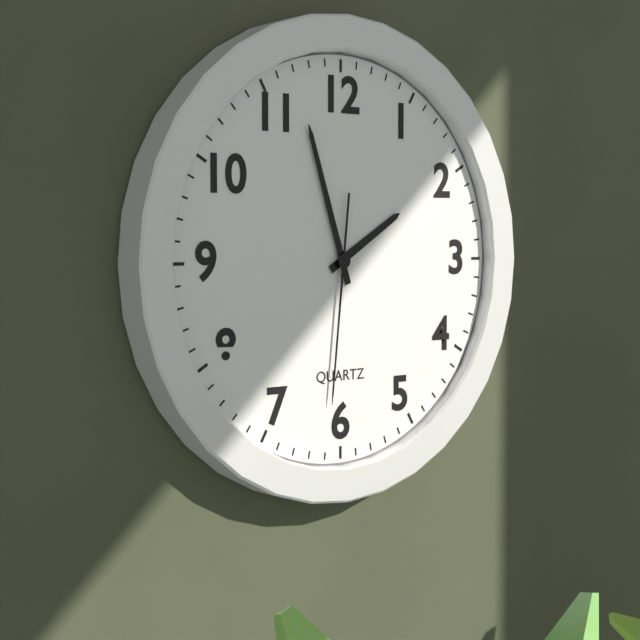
1:57:31
